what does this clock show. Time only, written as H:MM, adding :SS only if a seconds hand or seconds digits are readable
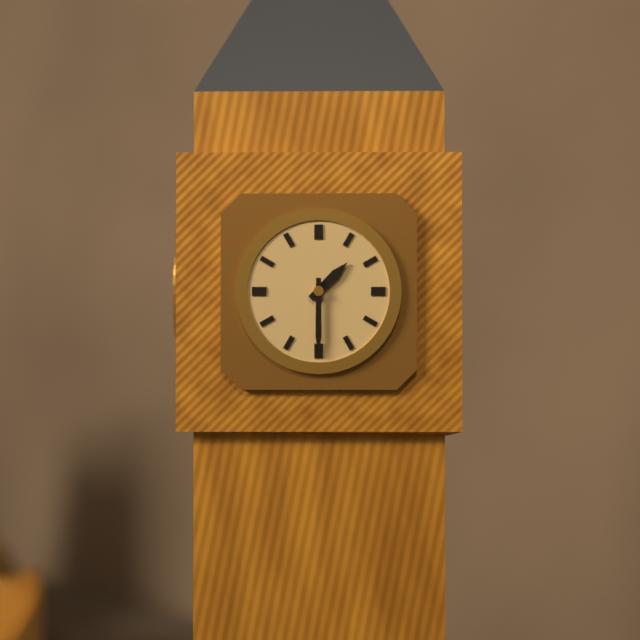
1:30
